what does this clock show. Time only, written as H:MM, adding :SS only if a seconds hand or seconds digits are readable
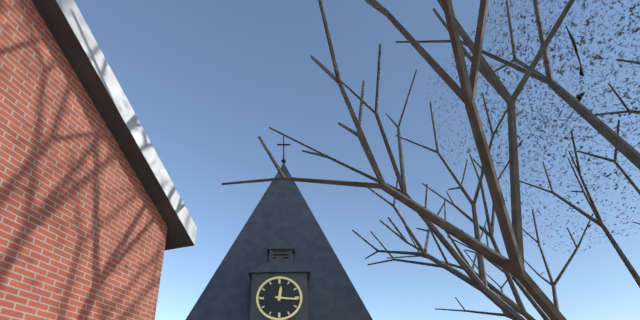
12:16
